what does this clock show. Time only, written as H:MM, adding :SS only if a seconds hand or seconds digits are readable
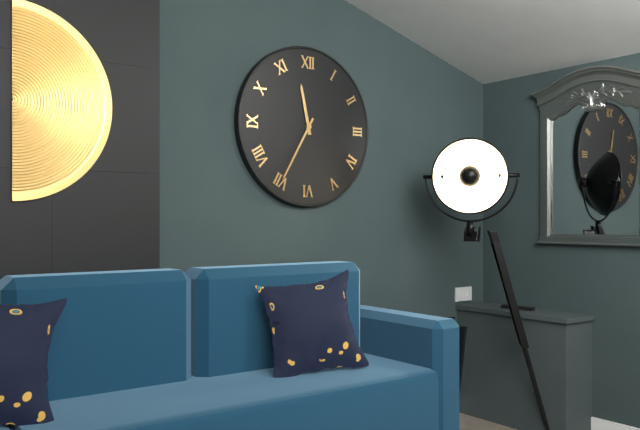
11:35
